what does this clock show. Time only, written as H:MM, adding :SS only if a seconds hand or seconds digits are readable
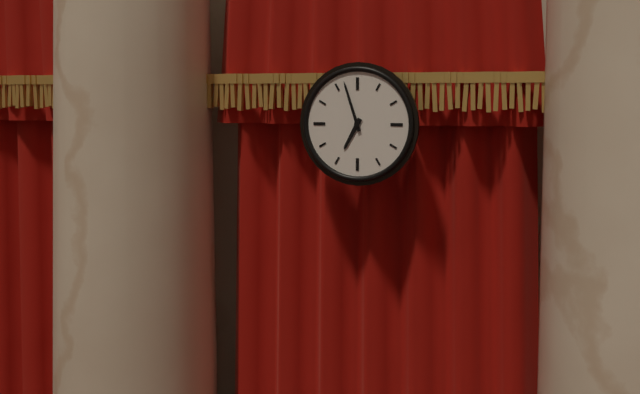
6:57
